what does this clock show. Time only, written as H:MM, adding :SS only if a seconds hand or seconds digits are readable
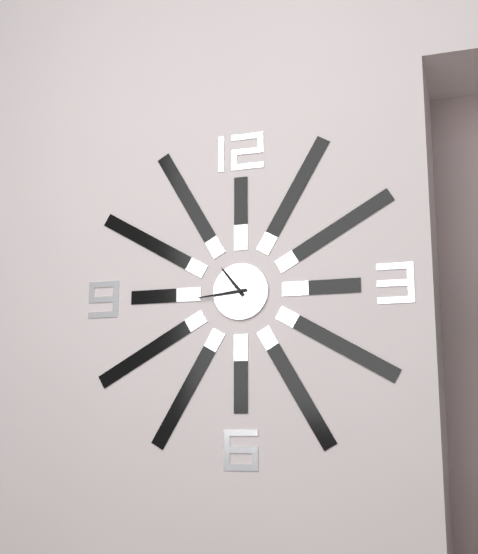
10:44
